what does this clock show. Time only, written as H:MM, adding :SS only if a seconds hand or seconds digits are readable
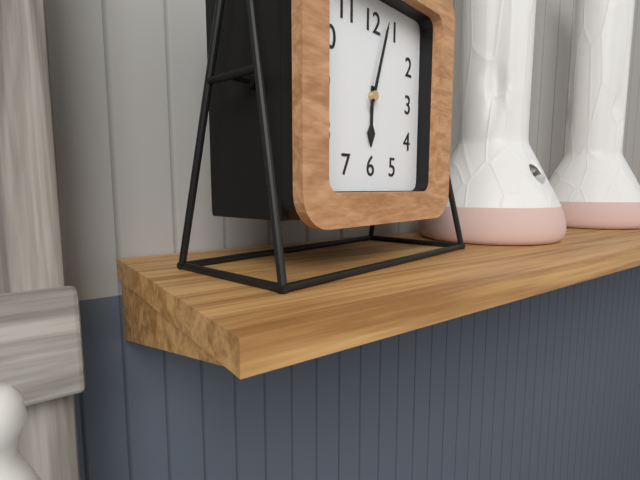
6:03
